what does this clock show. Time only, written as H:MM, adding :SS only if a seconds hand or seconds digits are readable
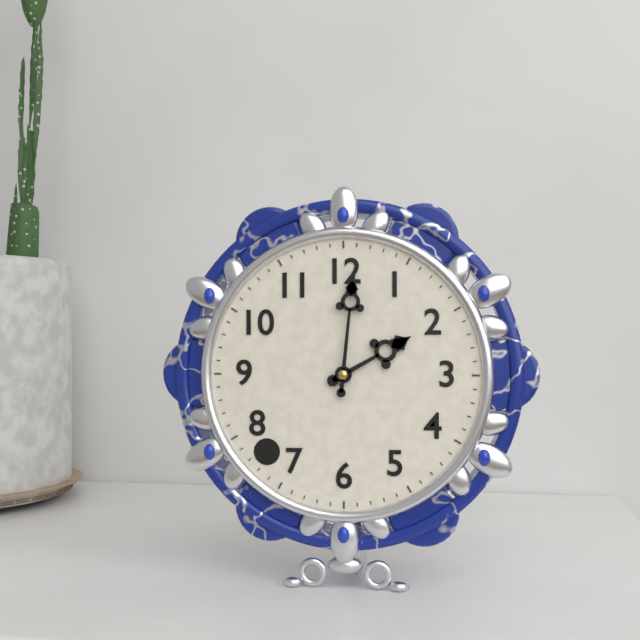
2:01
